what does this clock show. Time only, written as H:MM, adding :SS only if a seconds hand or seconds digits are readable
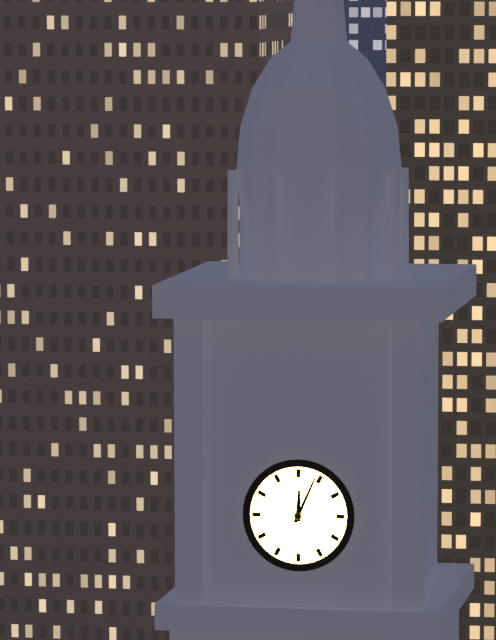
12:04
